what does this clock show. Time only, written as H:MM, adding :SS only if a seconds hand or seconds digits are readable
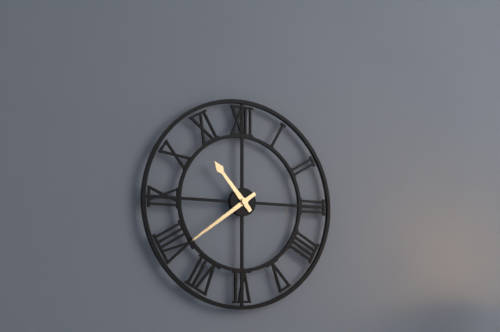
10:39
